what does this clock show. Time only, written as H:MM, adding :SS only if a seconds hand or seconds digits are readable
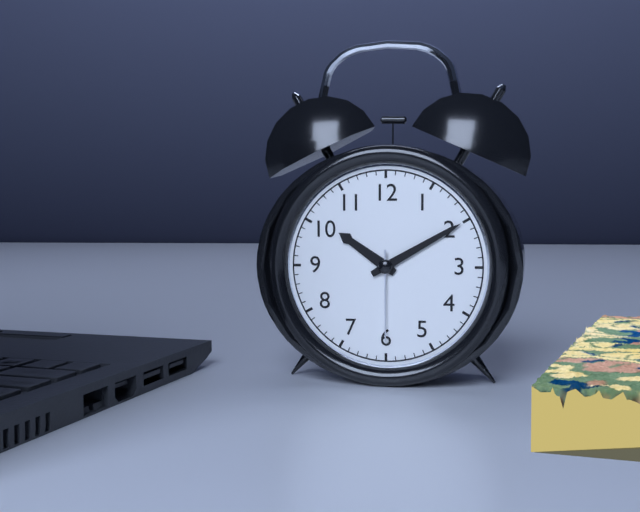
10:10:30
